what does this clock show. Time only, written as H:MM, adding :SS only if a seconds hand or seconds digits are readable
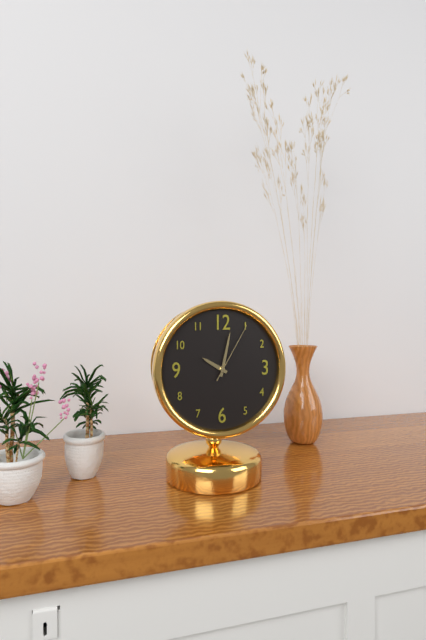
10:02:05
